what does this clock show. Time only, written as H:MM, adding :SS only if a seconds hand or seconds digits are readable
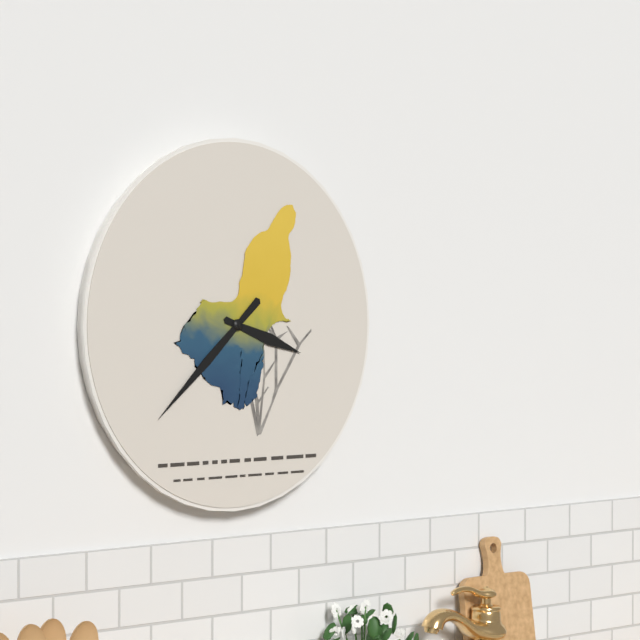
3:38
